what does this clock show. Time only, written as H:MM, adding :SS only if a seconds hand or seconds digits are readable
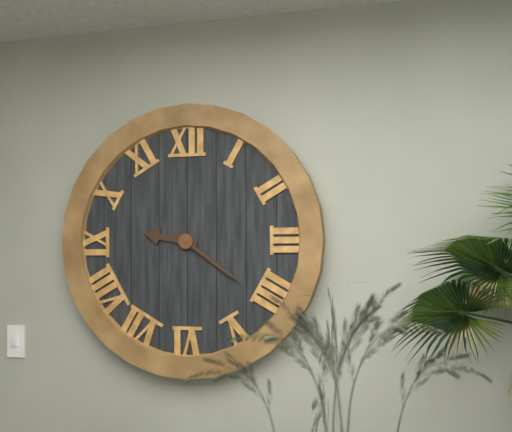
9:21
